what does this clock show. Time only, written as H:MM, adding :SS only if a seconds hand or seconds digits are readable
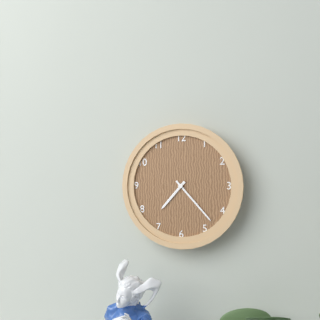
7:23
